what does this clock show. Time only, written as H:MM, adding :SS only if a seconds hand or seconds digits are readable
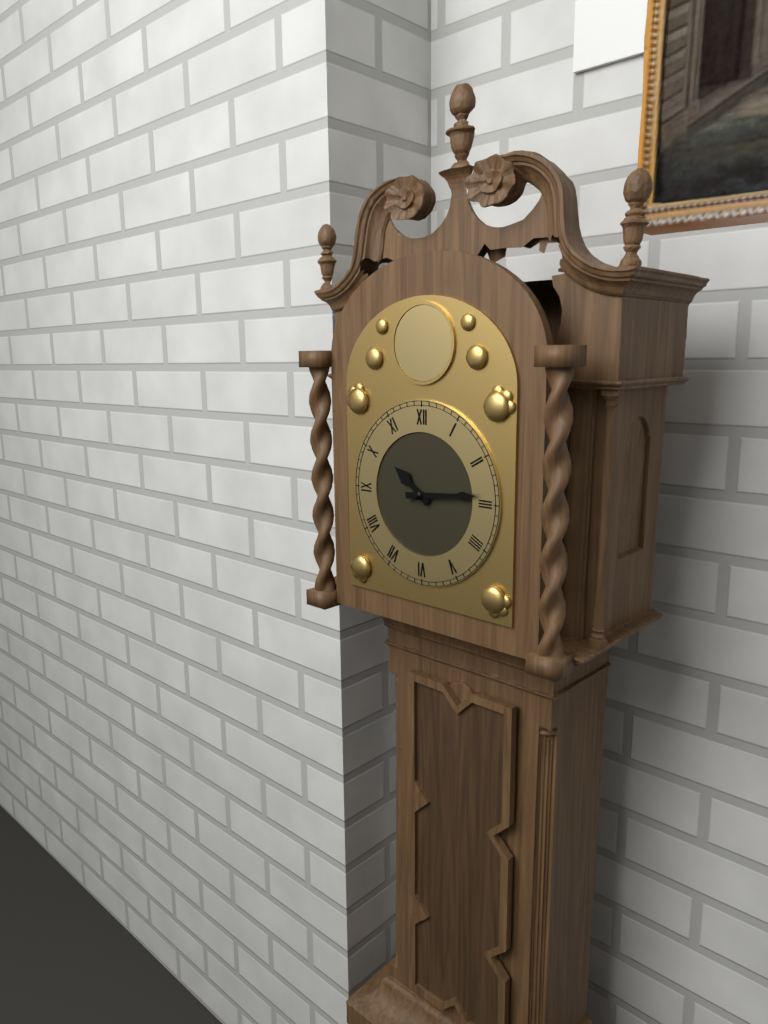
10:14
